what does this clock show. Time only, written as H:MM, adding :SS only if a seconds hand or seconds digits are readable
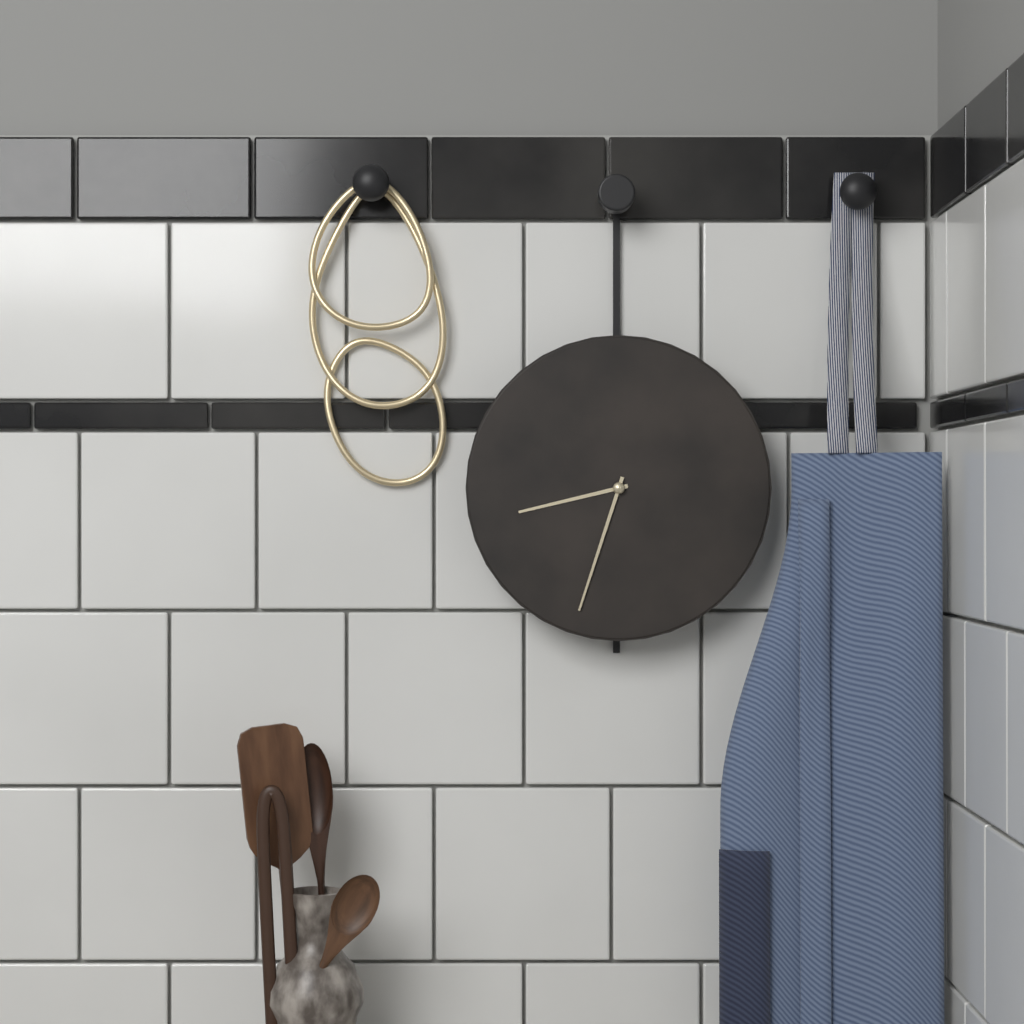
8:33
